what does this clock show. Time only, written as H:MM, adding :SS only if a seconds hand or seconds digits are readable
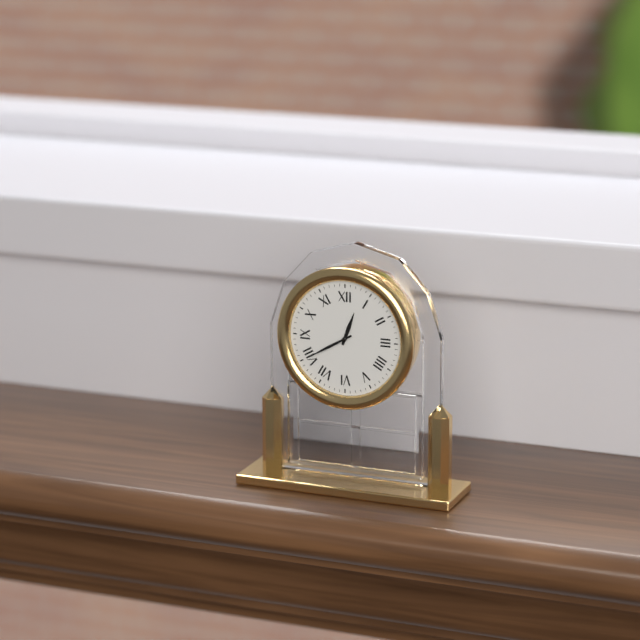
12:40
